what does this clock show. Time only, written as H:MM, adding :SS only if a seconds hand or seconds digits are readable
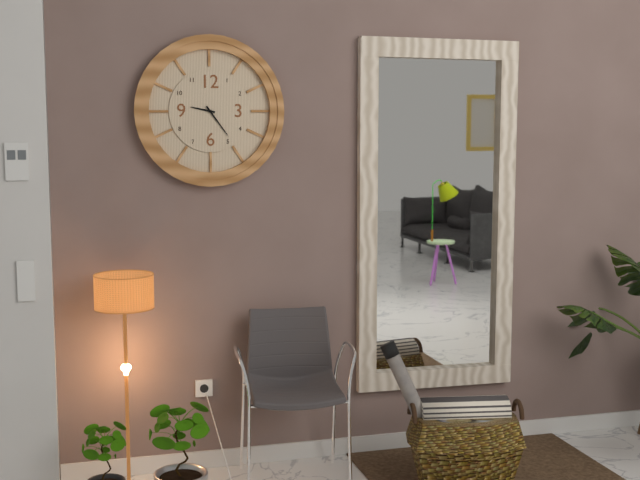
9:24
